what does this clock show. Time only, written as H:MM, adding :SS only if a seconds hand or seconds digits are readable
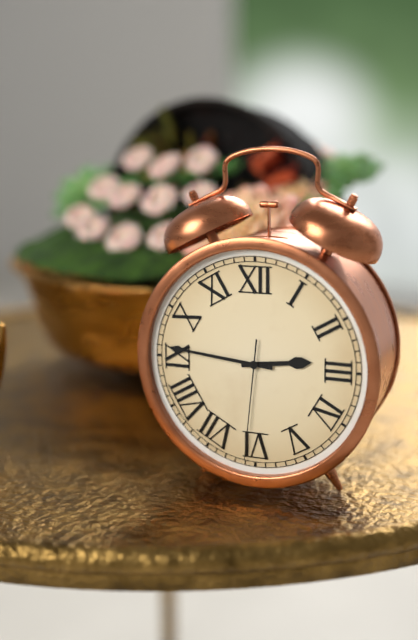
2:46:31
